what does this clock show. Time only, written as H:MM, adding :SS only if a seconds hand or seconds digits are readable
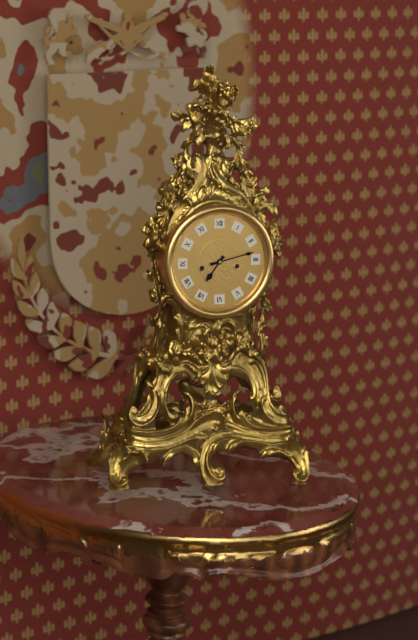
7:13
